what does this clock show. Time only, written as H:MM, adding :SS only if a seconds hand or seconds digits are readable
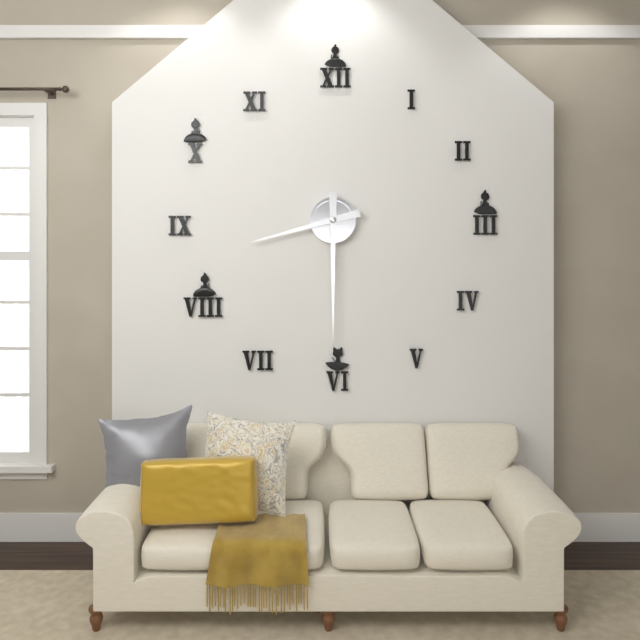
8:30
